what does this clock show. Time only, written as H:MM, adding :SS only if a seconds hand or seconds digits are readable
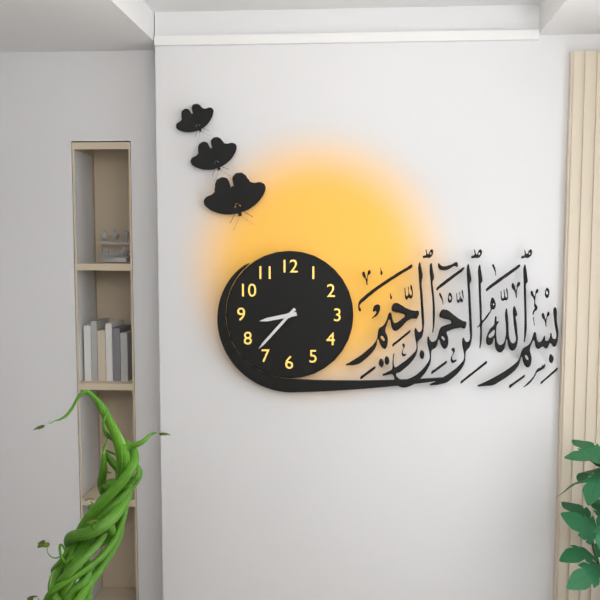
8:37
